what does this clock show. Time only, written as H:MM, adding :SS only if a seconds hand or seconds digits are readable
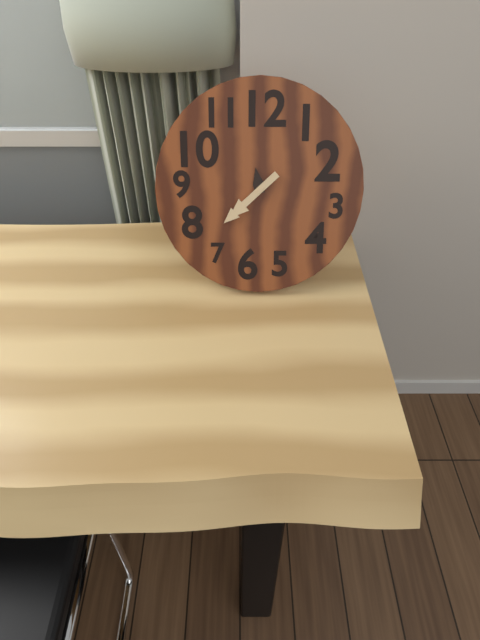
11:38
